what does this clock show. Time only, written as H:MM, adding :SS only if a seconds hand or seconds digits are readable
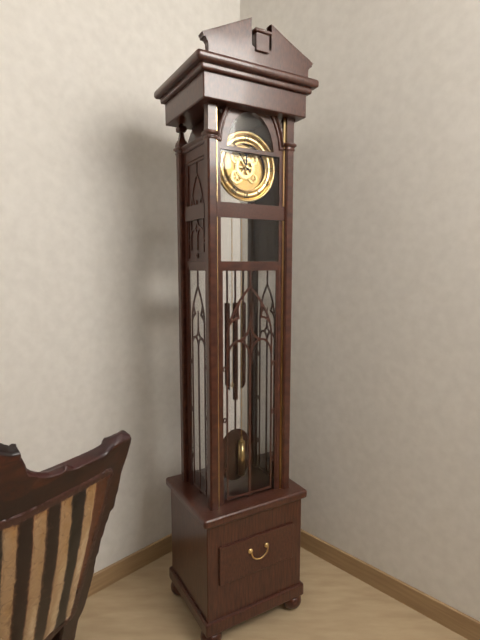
11:54
